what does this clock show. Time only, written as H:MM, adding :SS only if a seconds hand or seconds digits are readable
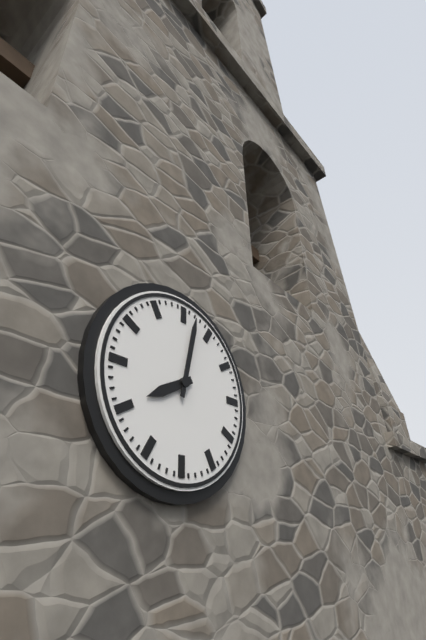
8:02
